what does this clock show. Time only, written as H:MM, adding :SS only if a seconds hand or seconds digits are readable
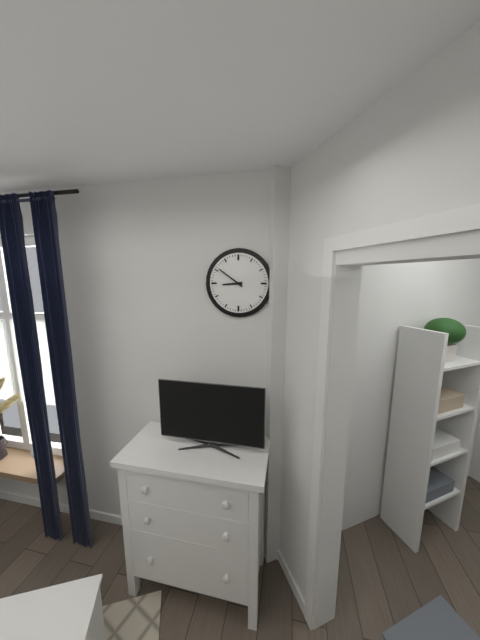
8:51
